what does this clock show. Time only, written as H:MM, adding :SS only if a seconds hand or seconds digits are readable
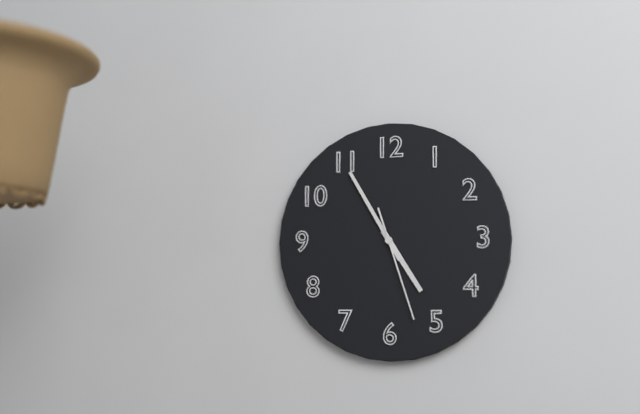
4:55:27
